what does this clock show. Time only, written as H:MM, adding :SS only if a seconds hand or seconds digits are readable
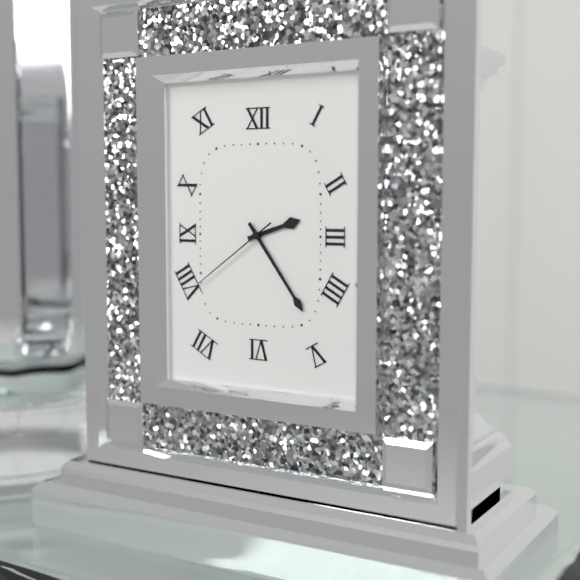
2:24:39
